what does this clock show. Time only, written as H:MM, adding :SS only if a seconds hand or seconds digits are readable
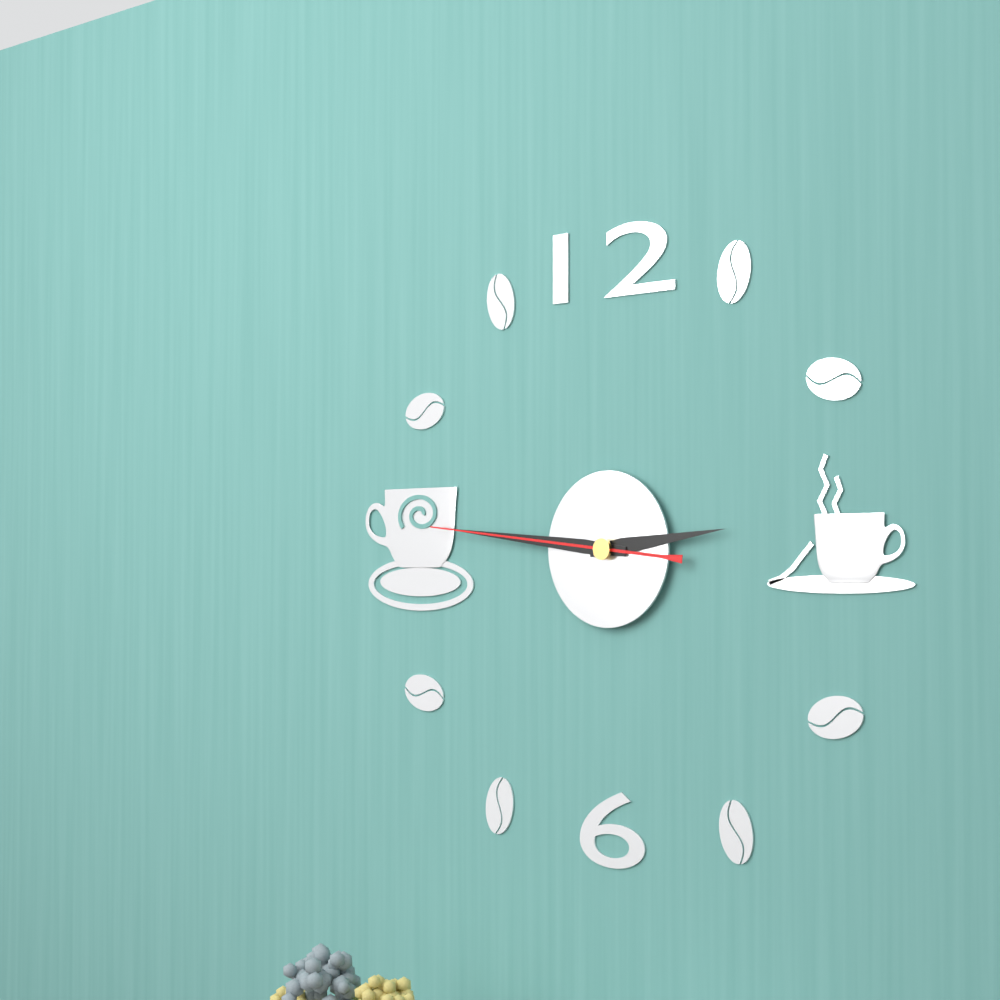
2:46:46
